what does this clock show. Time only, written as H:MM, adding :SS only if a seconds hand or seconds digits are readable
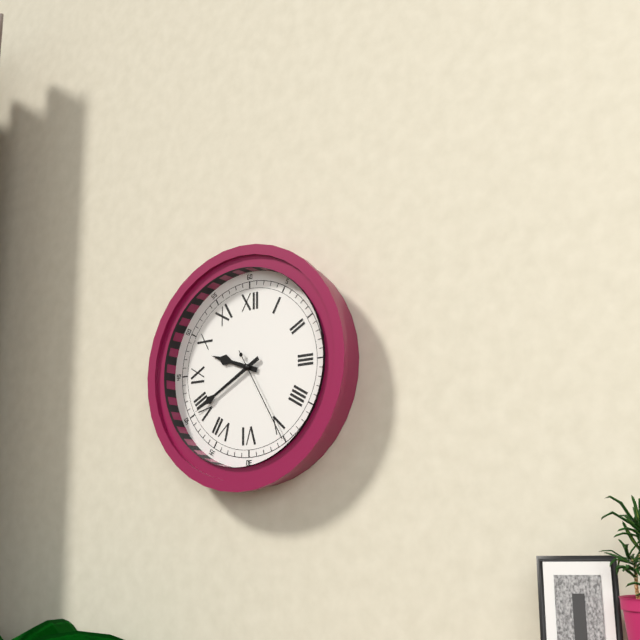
9:40:25
